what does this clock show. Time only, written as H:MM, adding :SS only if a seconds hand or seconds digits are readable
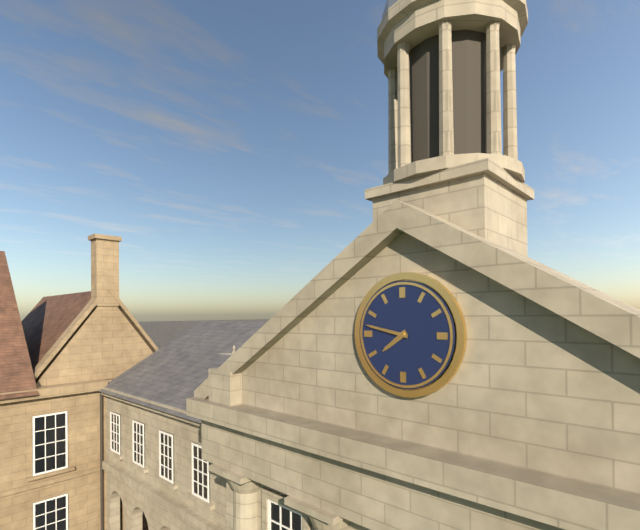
7:47
